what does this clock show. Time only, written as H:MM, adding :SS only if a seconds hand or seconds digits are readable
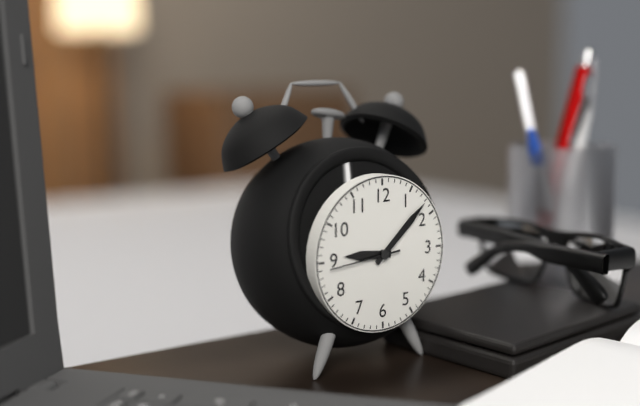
9:08:44
